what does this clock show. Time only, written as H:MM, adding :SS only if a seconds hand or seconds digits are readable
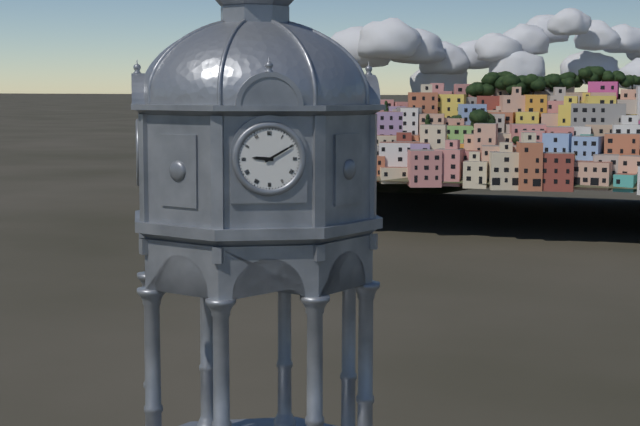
9:10
